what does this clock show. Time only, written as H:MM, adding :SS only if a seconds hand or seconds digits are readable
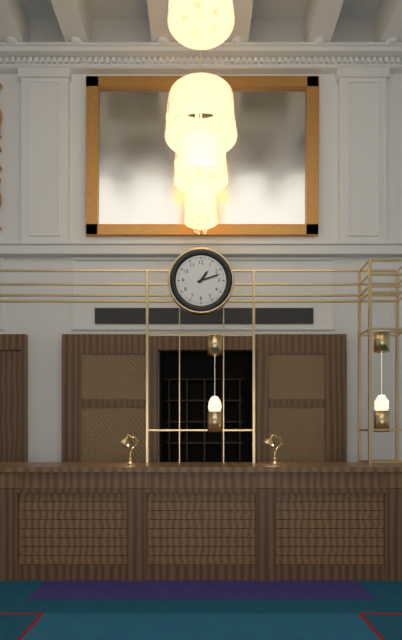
1:12
